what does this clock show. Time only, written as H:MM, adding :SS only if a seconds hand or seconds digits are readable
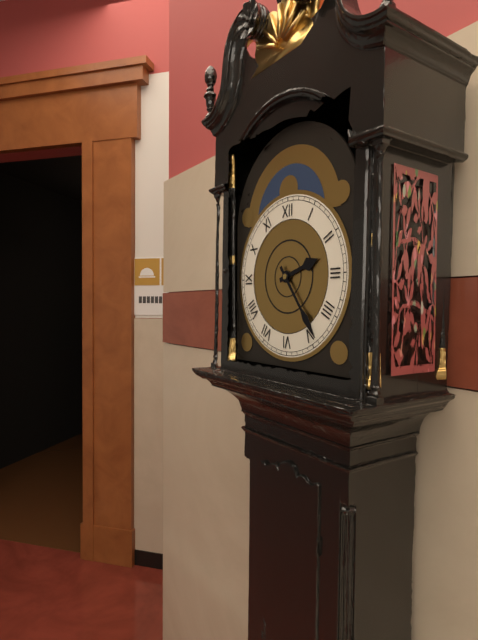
2:24
